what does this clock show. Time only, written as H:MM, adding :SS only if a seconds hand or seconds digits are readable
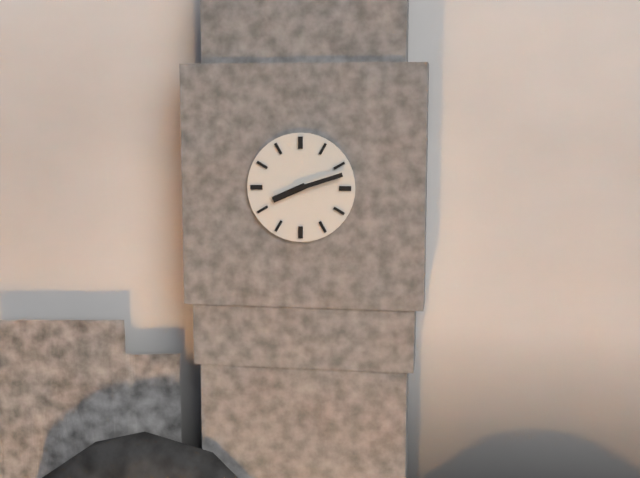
8:12
